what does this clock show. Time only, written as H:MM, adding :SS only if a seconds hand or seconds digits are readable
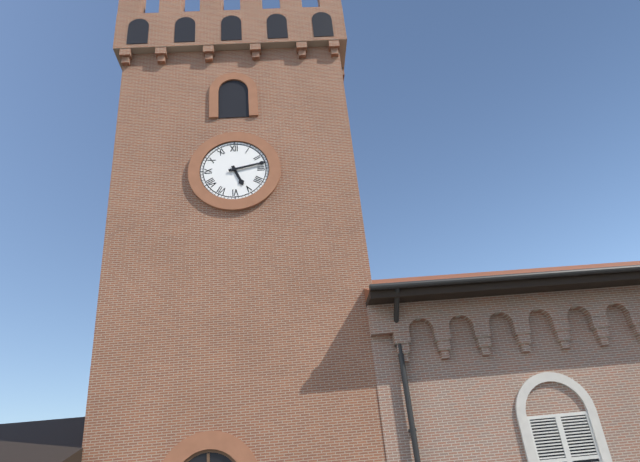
5:13
